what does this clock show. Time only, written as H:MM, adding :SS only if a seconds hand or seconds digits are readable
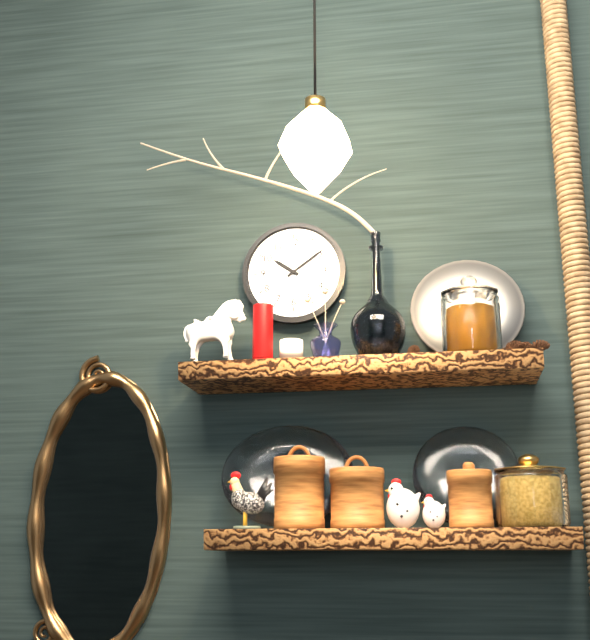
10:09
